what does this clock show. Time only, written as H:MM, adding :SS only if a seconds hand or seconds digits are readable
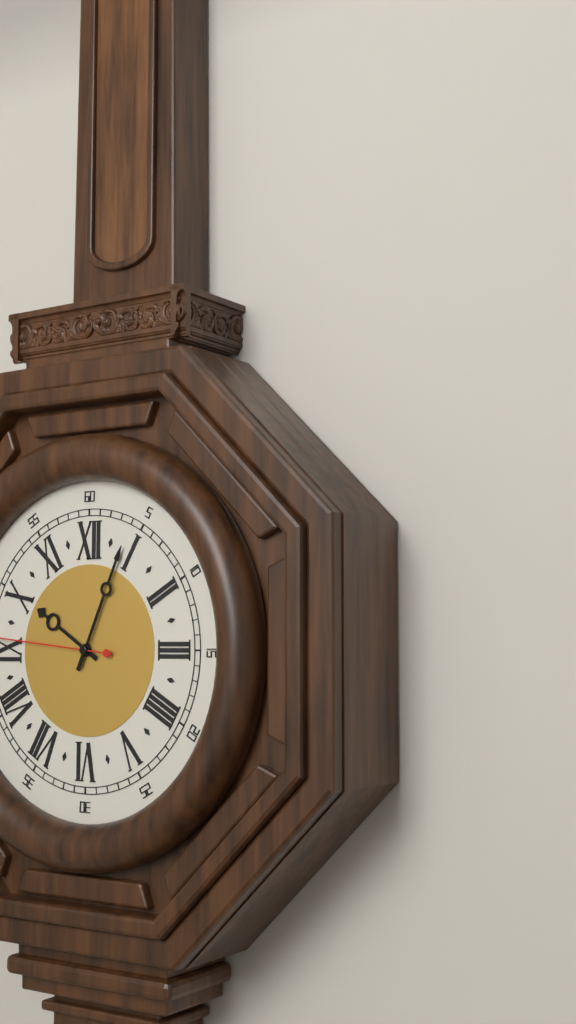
10:04
